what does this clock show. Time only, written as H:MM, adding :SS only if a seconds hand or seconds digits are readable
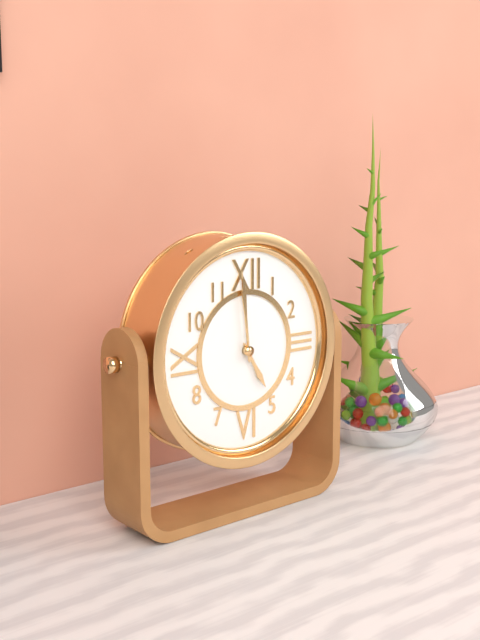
4:59
